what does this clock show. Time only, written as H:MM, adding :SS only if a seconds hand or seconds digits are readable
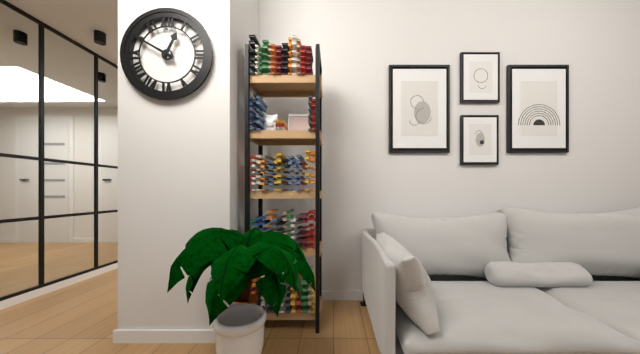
12:50
